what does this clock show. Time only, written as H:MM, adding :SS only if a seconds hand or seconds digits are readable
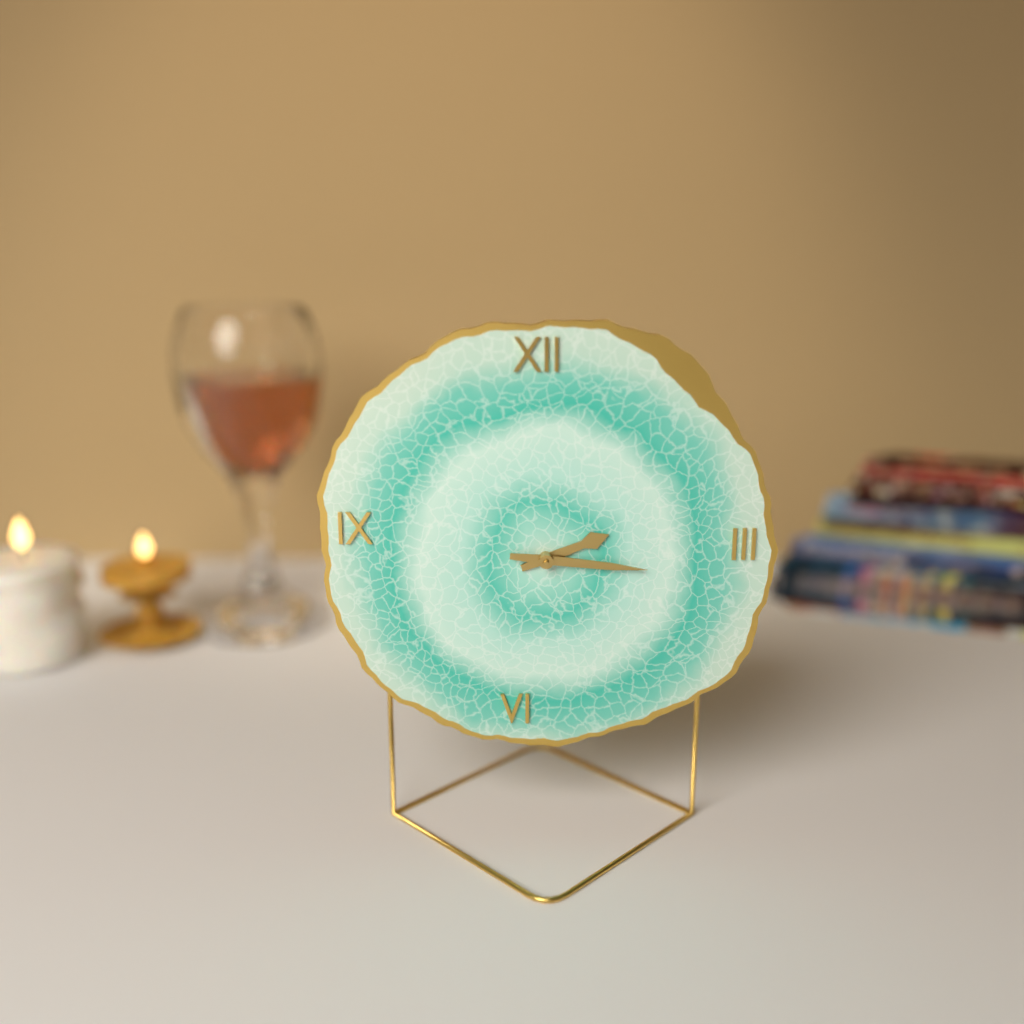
2:16
